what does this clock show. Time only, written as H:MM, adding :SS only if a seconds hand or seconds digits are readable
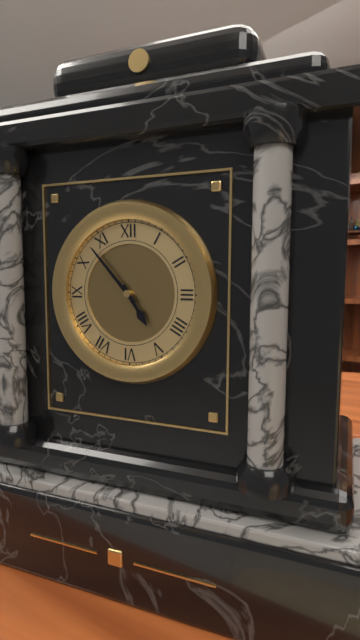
4:53
